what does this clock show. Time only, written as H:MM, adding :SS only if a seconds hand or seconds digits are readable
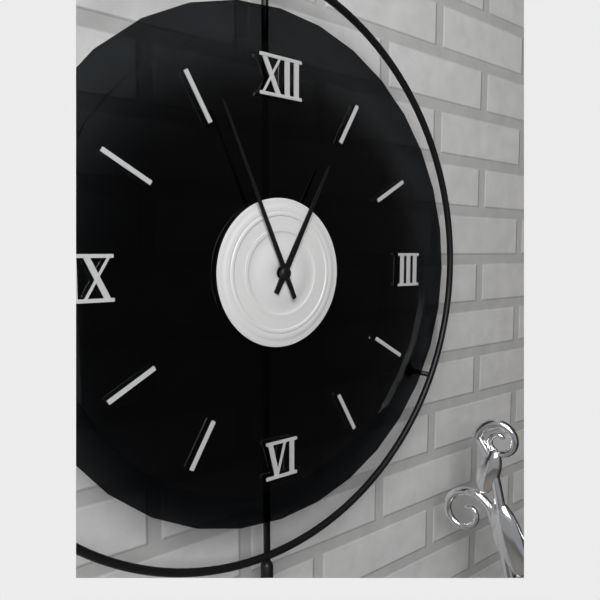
12:56
